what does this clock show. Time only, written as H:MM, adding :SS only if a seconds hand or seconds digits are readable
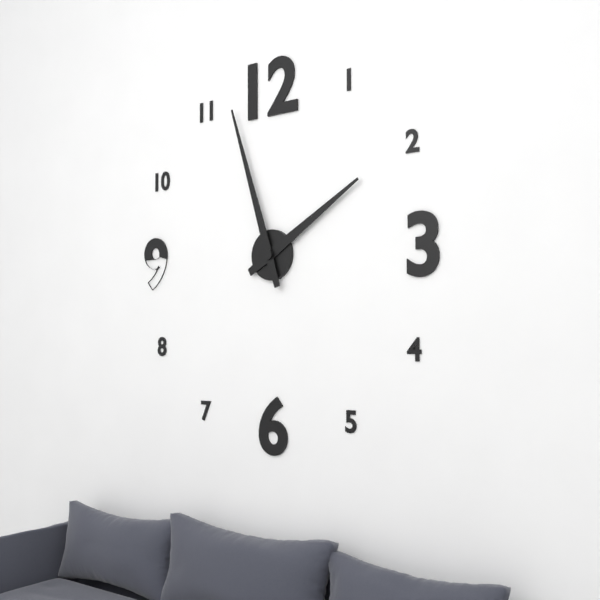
1:57
